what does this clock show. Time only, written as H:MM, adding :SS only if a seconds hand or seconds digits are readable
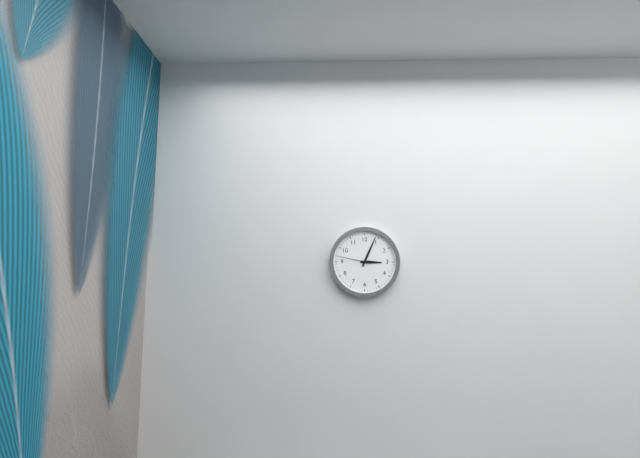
3:04
